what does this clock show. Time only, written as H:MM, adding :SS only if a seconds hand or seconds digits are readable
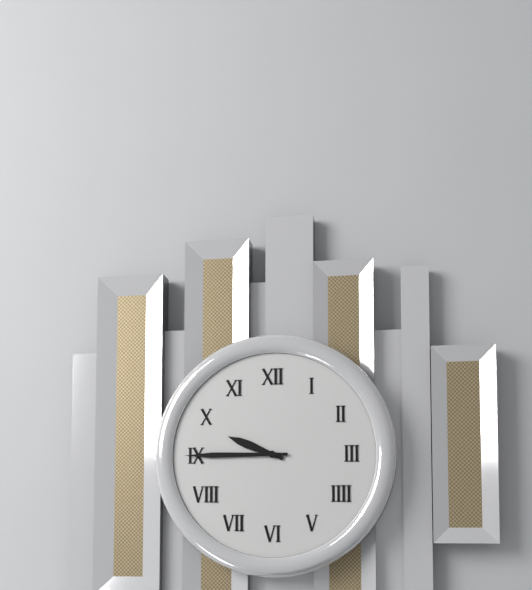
9:45
